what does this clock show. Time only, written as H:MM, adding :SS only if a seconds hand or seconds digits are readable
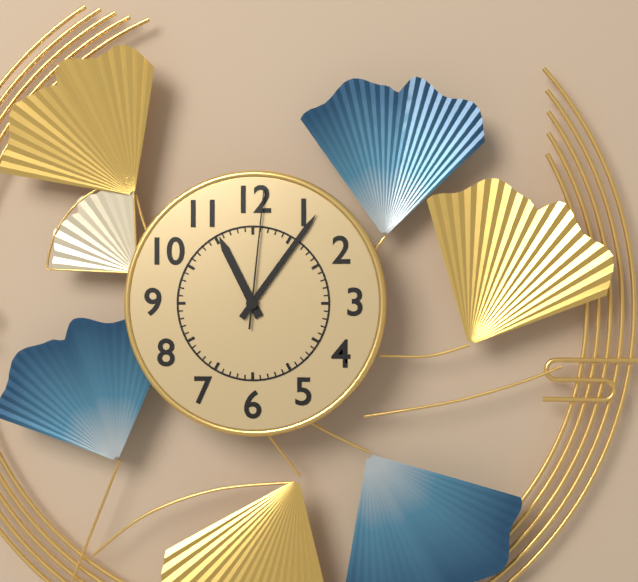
11:06:01
